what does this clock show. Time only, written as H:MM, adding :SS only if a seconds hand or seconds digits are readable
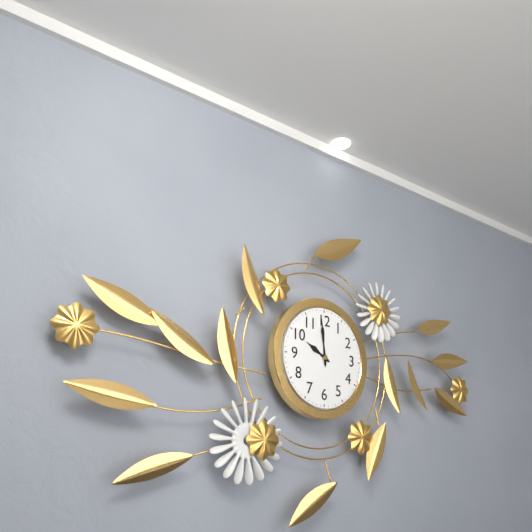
9:59
